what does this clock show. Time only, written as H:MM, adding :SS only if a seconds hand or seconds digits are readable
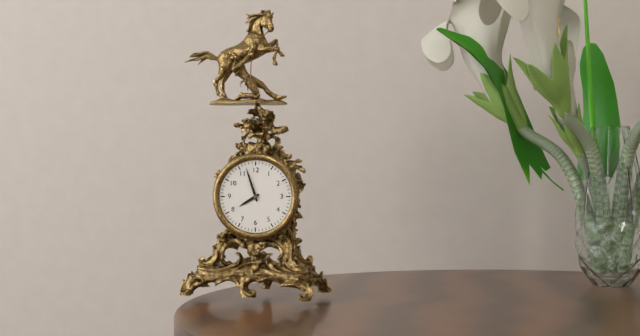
7:57
